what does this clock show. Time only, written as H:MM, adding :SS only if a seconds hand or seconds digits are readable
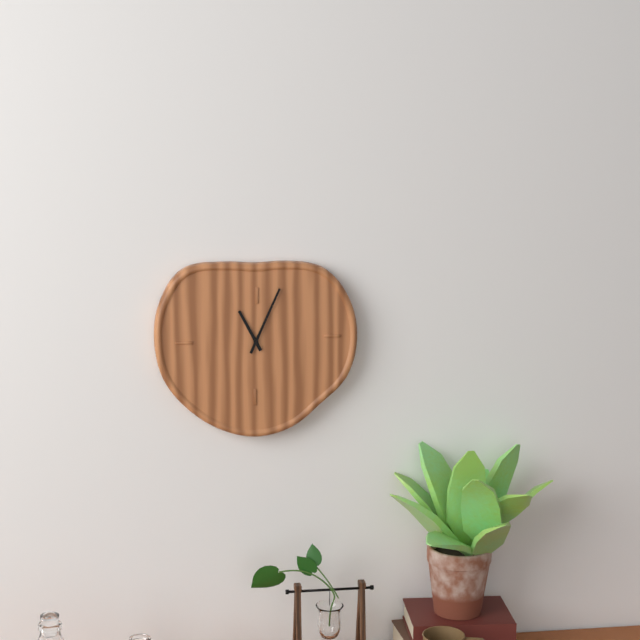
11:04
